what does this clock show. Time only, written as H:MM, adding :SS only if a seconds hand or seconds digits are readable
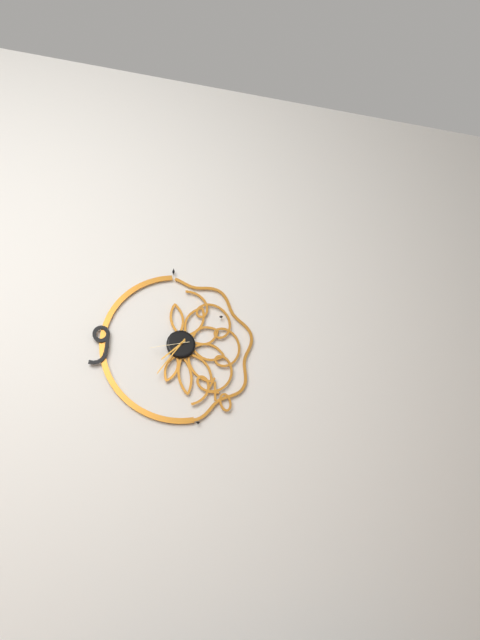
7:36
